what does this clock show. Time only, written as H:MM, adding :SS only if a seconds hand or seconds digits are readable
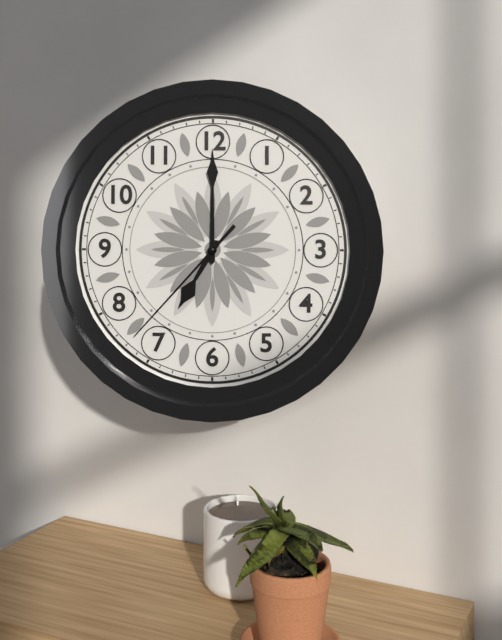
7:00:37
